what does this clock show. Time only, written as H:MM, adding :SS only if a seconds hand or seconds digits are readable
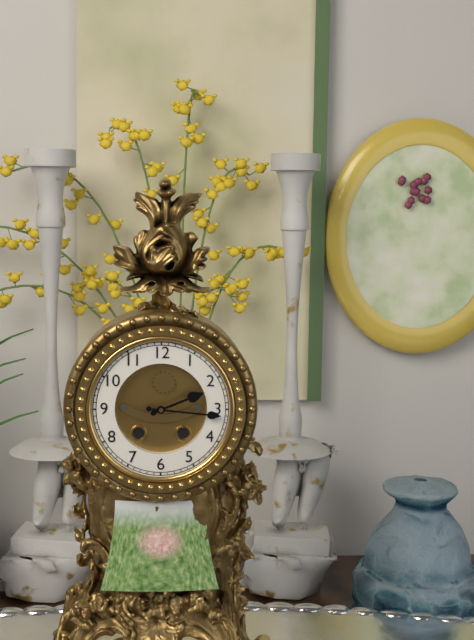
2:16
